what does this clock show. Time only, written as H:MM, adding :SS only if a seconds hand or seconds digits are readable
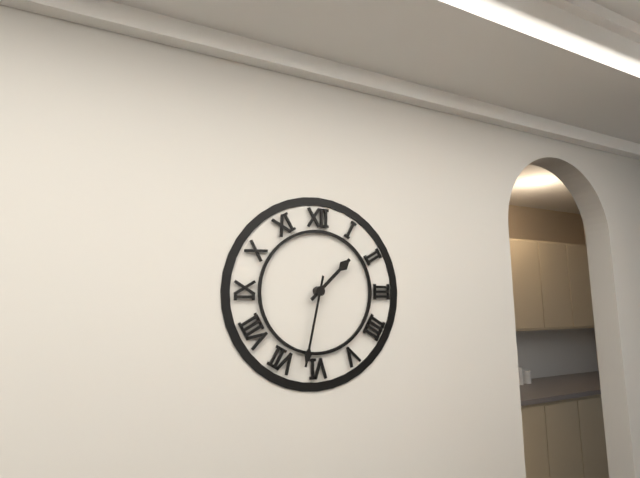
1:32
